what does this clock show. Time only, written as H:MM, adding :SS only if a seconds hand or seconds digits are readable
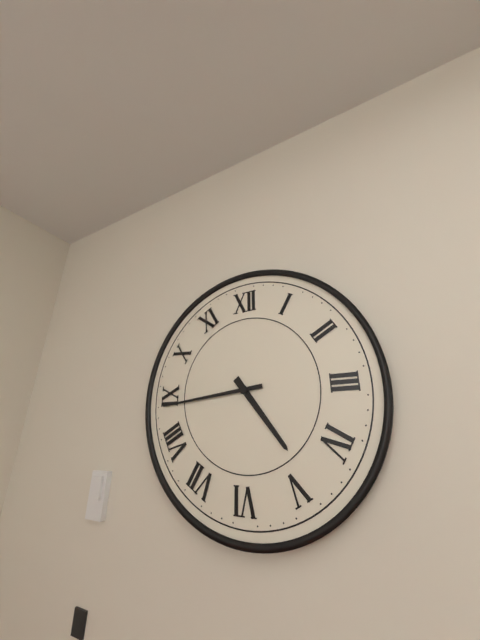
4:44
